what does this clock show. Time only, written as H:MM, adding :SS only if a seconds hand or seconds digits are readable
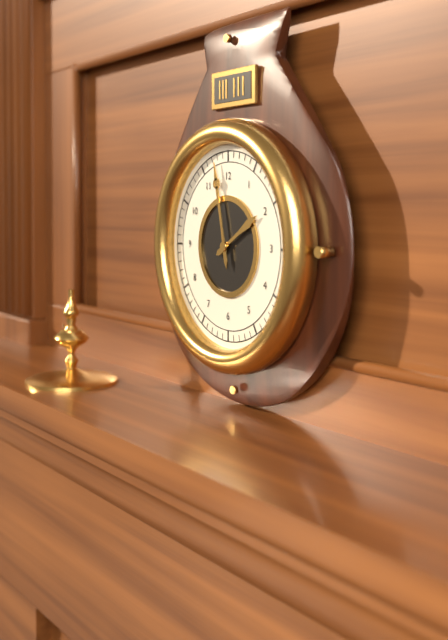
1:58
